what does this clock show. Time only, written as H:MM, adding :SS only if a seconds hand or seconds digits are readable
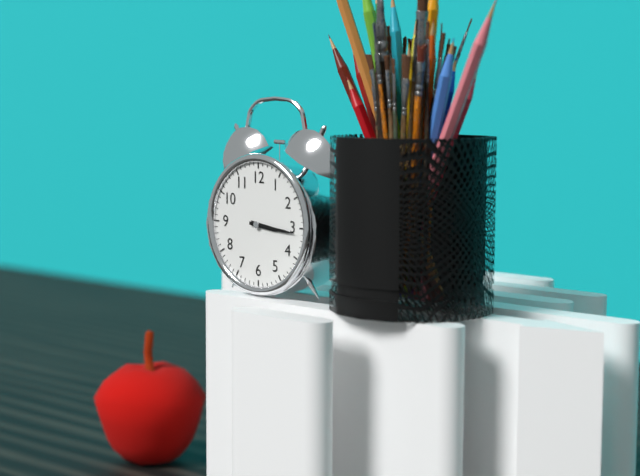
3:16
